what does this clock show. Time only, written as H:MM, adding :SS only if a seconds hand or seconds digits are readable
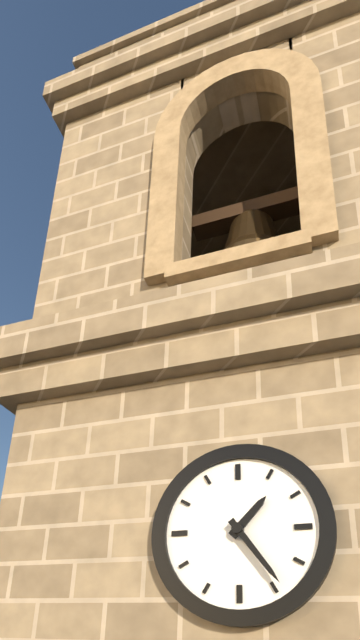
1:24
